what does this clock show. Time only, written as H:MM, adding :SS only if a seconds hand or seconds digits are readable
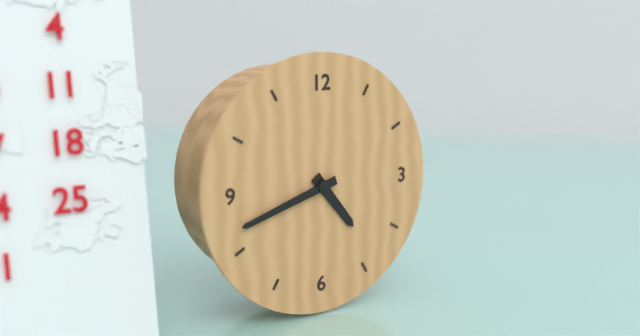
4:42
